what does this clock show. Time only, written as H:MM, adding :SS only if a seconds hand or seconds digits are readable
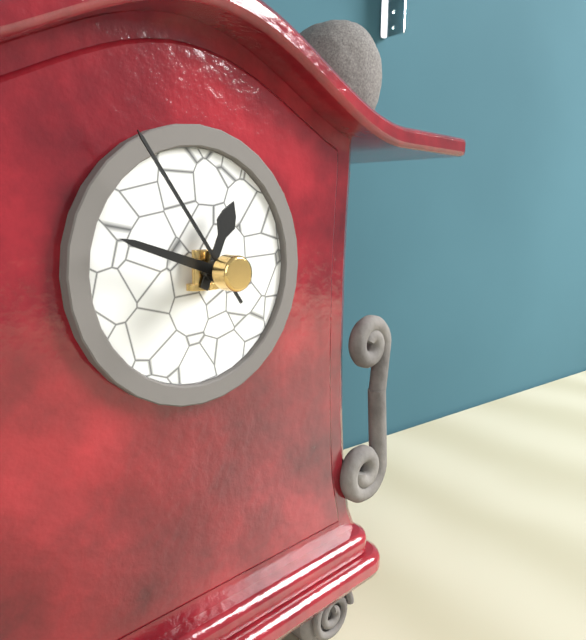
12:48:54
